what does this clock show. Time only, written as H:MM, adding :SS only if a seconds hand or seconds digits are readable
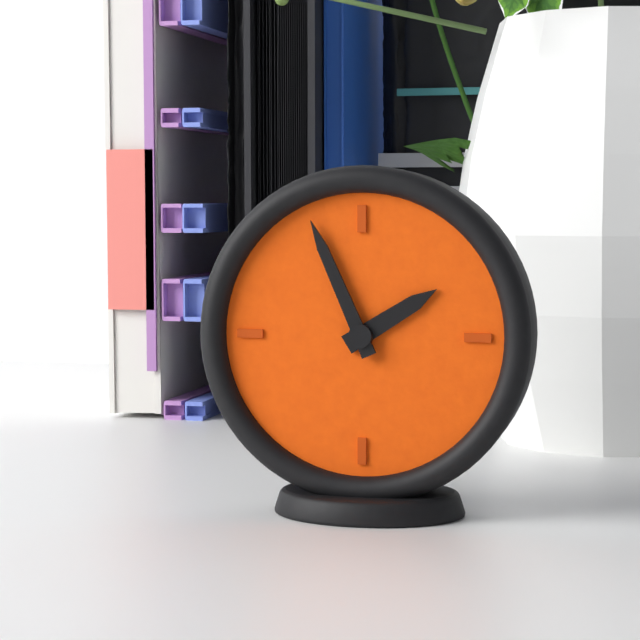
1:56
